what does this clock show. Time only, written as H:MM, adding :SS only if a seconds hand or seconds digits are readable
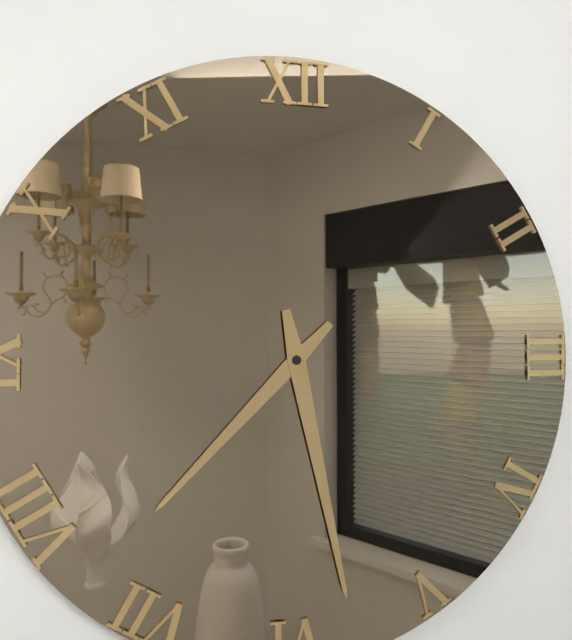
7:28
